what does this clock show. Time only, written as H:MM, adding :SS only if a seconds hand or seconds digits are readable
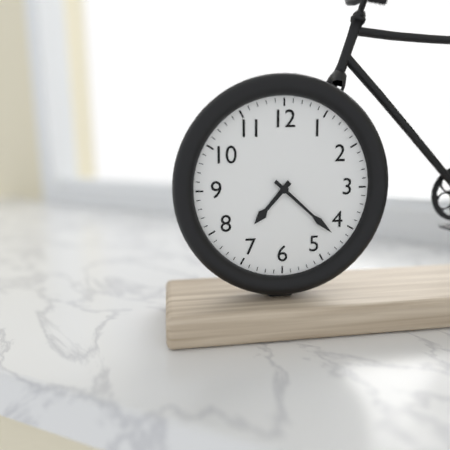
7:22
